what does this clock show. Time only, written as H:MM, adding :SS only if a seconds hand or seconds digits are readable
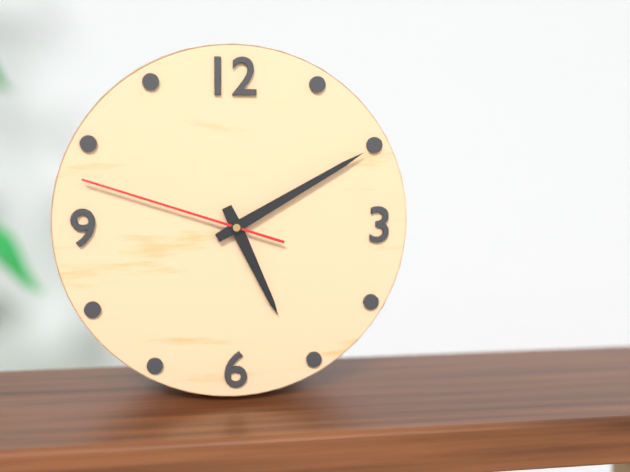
5:10:48
